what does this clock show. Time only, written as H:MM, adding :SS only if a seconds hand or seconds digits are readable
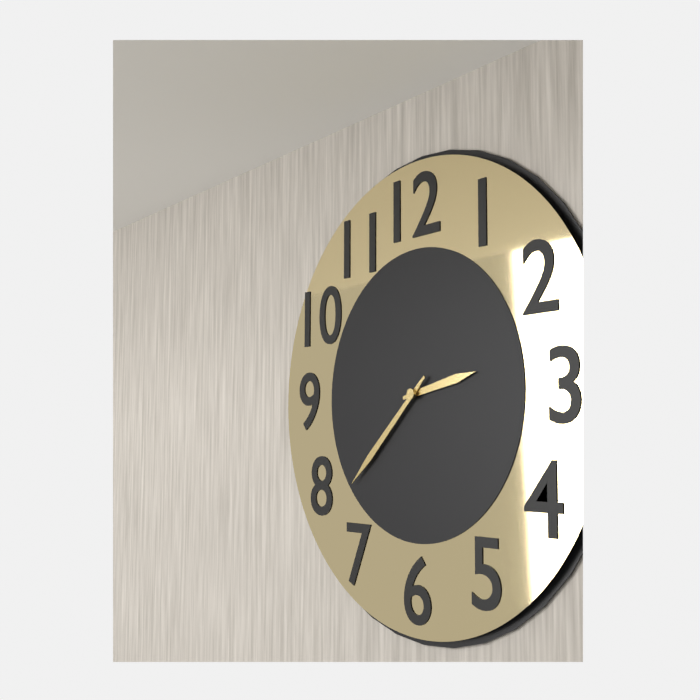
2:38
